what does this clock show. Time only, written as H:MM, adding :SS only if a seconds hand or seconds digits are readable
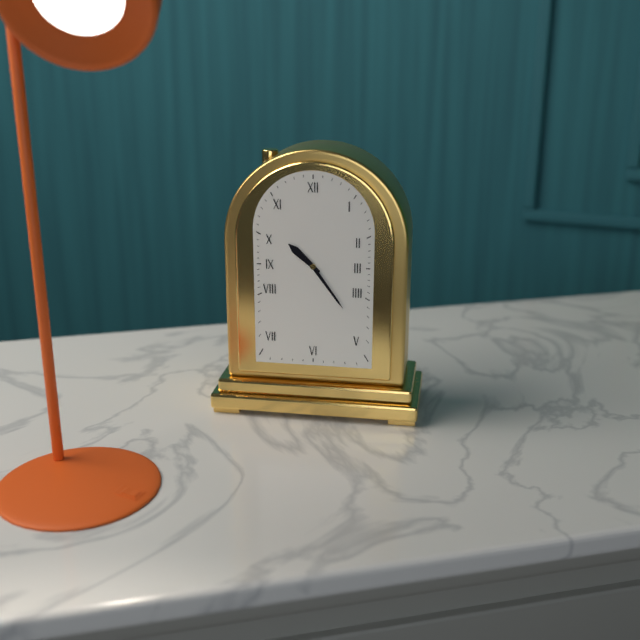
10:24
